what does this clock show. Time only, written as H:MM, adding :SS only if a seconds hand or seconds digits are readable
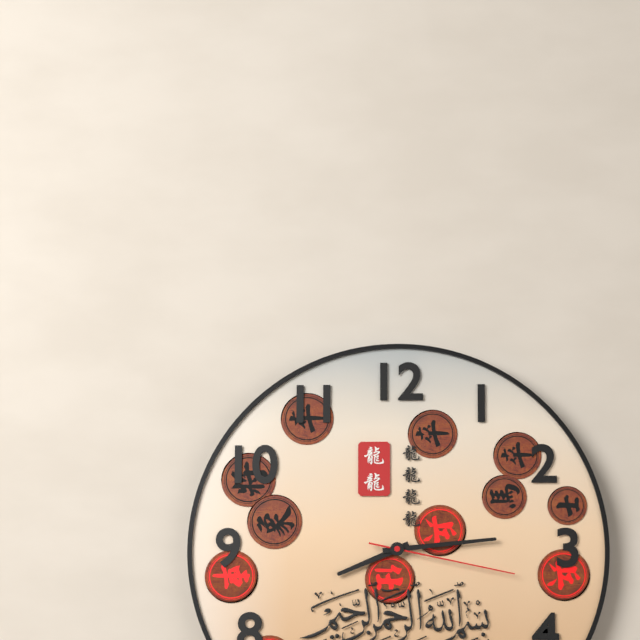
8:14:17
